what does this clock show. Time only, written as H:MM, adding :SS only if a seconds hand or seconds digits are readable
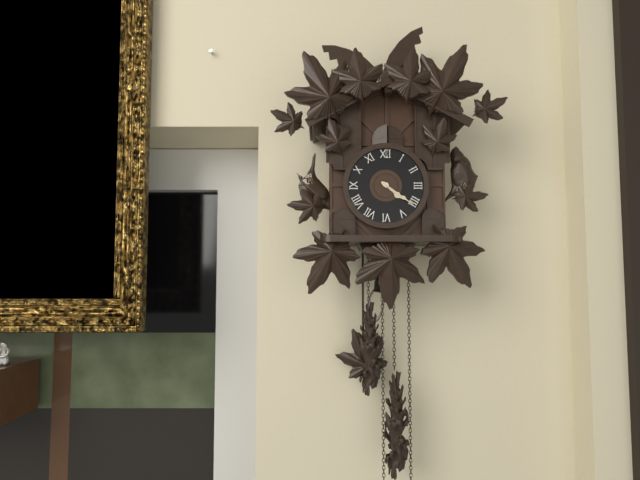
4:21
